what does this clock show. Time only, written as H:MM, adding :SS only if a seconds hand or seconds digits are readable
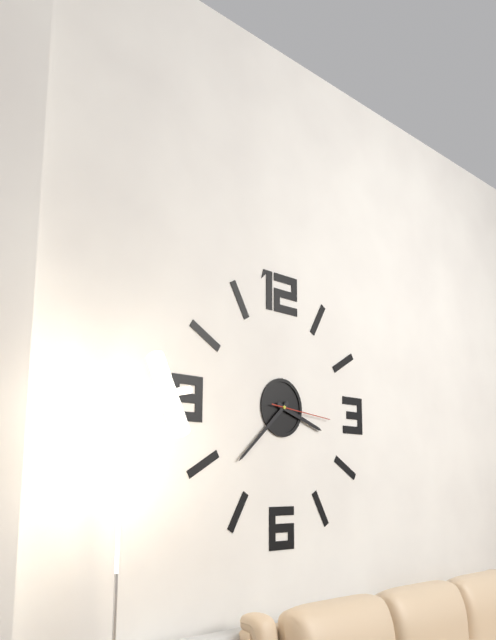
3:38:16
